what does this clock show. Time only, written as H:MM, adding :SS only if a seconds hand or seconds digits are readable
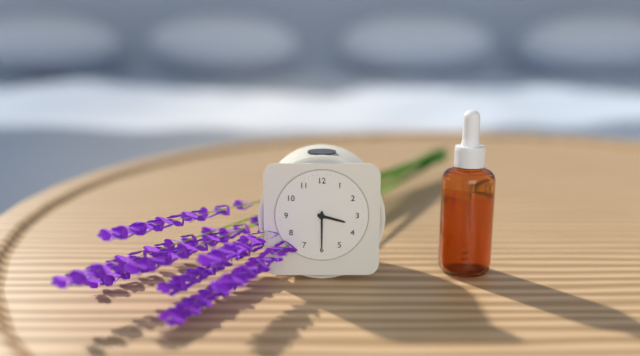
3:30
